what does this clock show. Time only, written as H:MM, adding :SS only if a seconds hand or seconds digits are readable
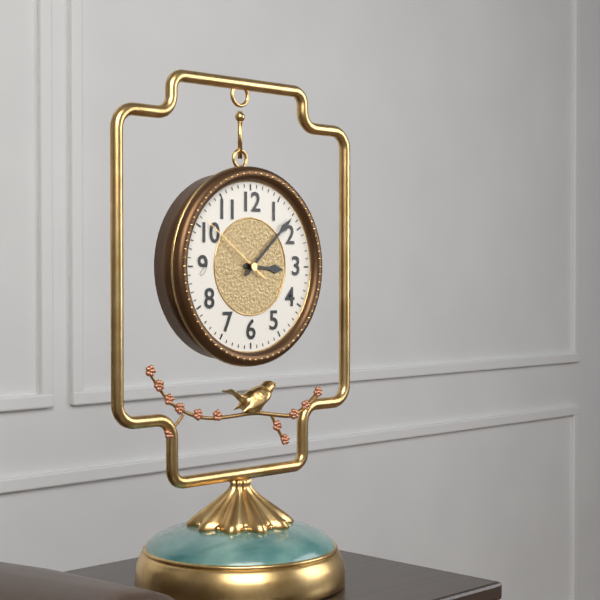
3:08:51
